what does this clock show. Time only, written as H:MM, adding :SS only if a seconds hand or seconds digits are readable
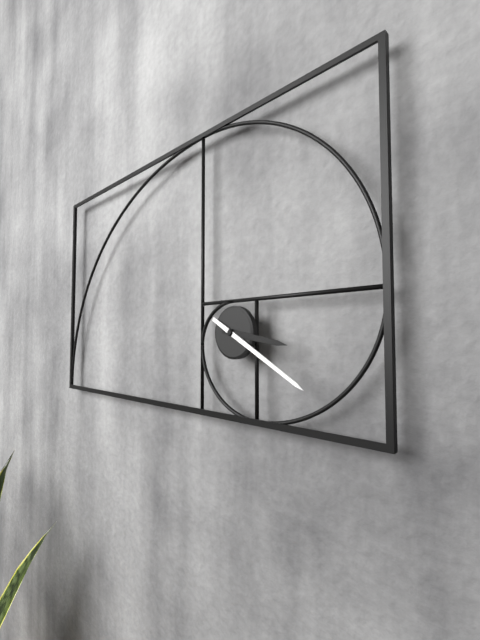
3:20
